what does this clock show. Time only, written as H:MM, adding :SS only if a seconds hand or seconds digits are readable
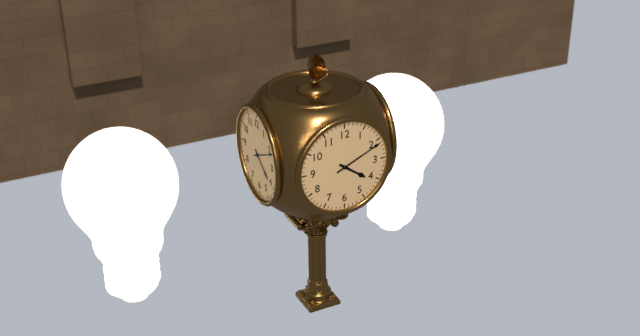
4:11
